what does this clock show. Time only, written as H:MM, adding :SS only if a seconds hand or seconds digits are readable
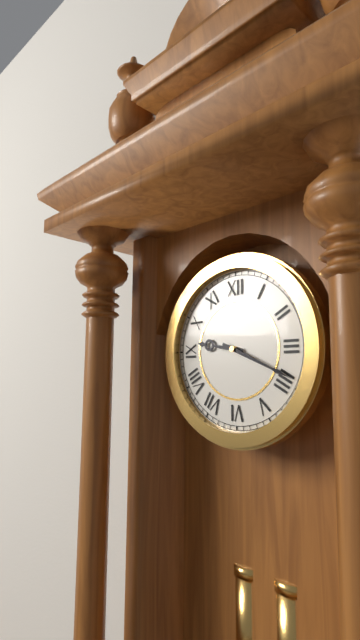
9:19
